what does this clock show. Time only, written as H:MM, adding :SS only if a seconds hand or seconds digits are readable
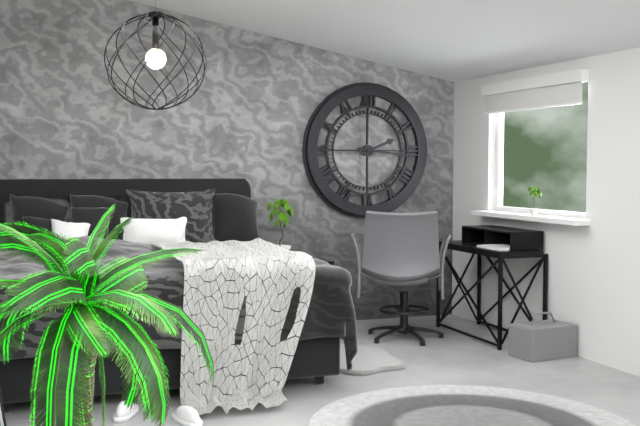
2:16
